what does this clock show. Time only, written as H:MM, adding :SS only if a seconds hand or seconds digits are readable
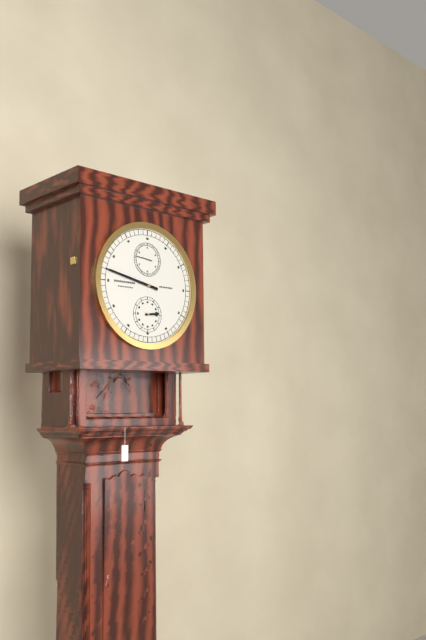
2:47
